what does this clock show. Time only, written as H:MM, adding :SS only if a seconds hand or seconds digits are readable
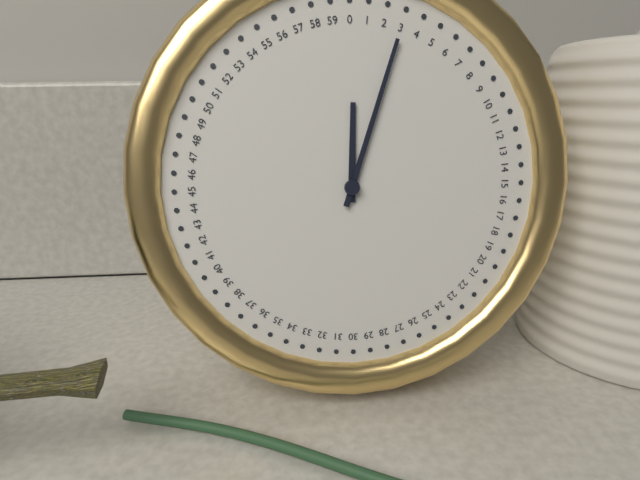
12:03
